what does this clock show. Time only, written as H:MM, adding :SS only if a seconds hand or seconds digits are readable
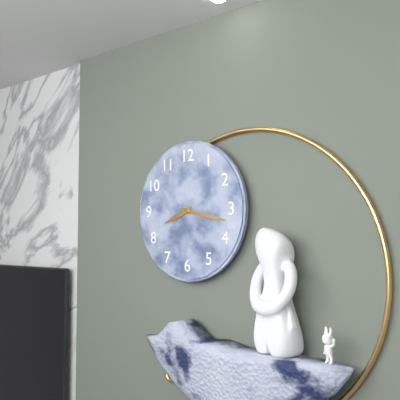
8:17
